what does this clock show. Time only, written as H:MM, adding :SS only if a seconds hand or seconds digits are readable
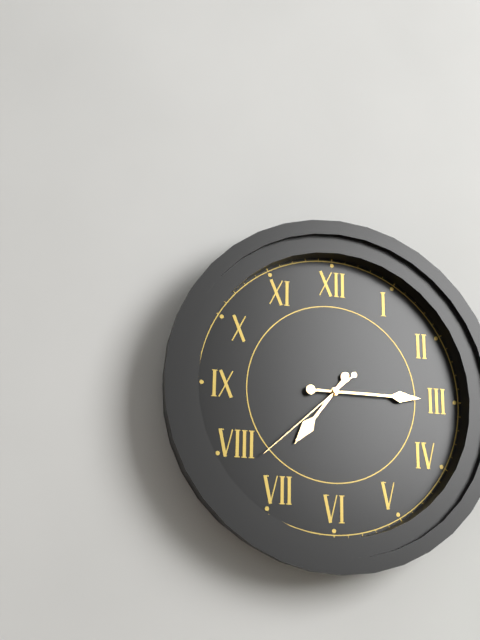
7:15:38
